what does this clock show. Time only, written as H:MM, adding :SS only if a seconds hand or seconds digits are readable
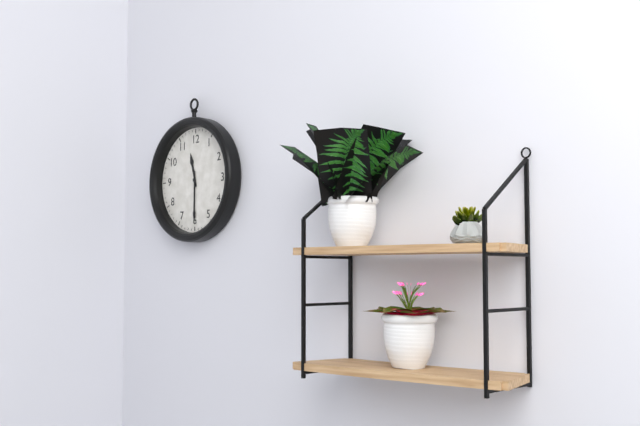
11:30
